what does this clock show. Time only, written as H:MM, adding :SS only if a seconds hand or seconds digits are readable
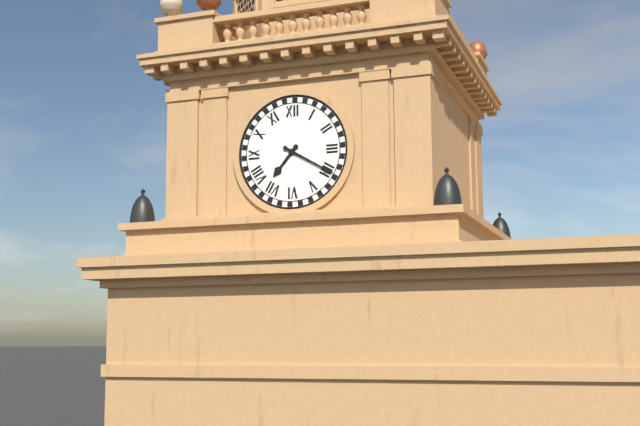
7:20
